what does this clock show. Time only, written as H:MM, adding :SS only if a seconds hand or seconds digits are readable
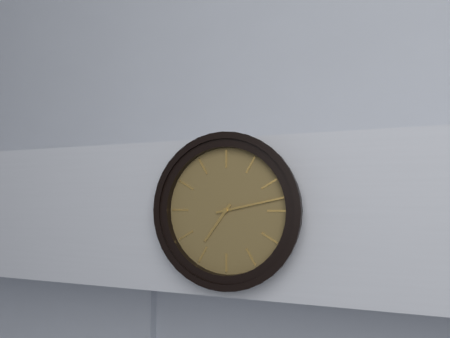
7:13
